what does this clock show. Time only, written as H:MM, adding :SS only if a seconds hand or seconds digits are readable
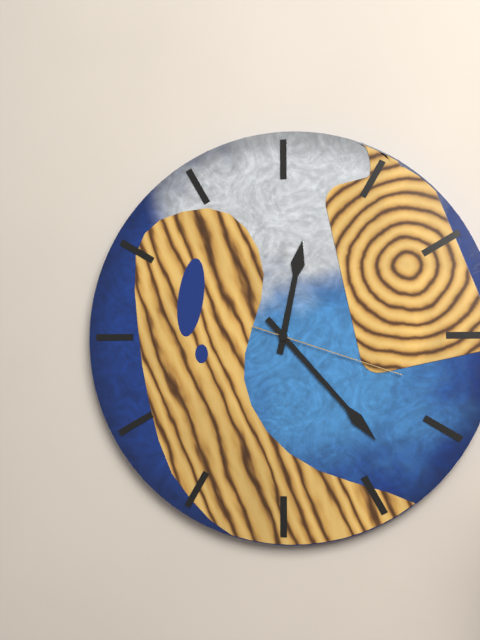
12:23:18
